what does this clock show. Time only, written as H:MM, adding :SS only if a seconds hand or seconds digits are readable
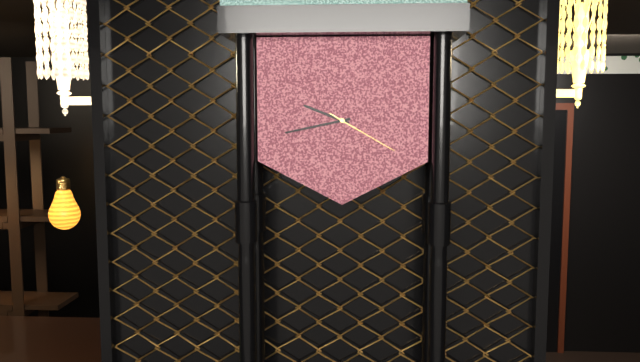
9:43:20
